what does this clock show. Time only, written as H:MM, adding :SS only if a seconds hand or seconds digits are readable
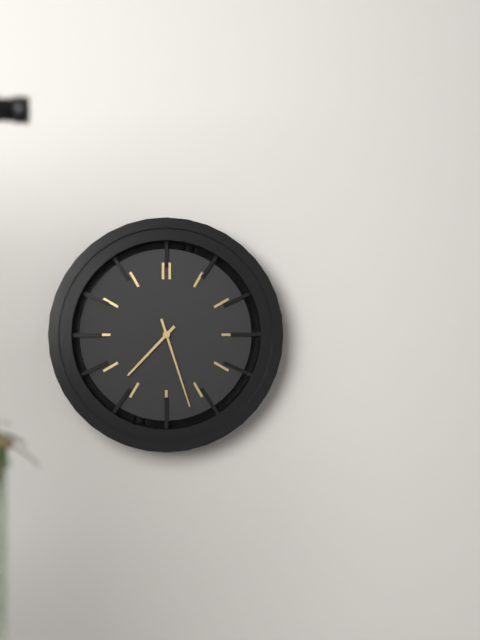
7:27
